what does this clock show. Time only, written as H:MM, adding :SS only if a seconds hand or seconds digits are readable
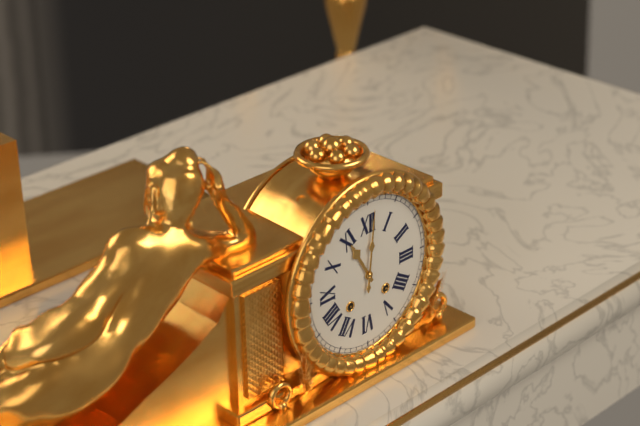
11:01
